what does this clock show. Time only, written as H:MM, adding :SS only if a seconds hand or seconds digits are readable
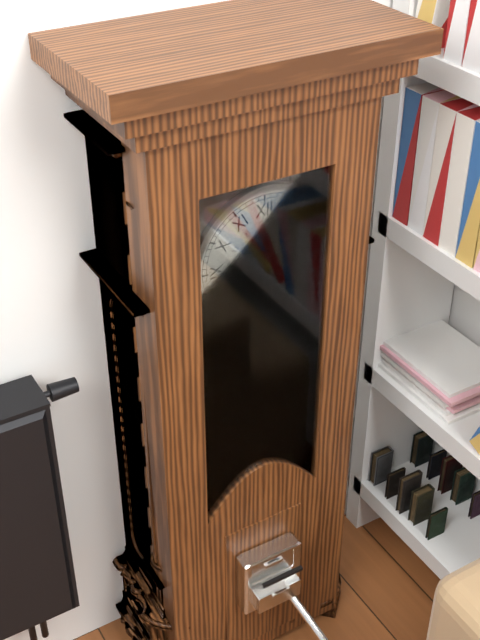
5:28
